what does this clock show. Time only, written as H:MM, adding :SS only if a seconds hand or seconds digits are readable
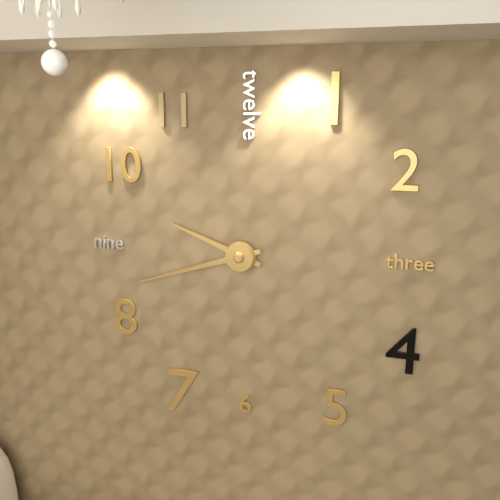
9:42
